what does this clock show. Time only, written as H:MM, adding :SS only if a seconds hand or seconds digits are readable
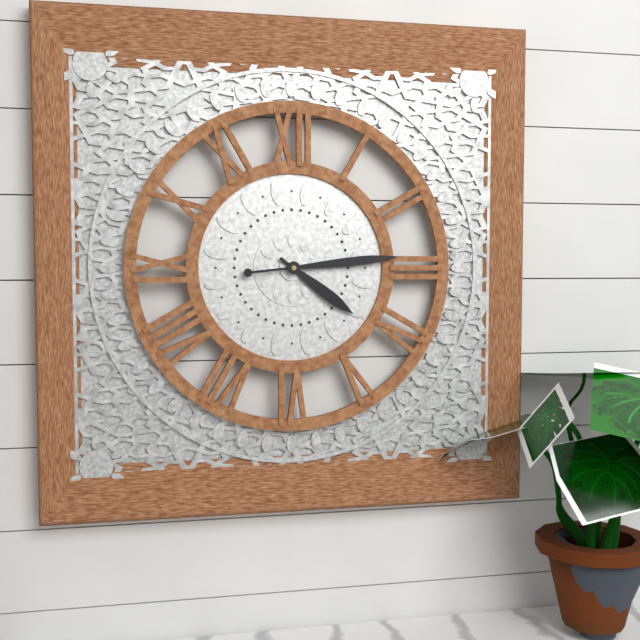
4:14
